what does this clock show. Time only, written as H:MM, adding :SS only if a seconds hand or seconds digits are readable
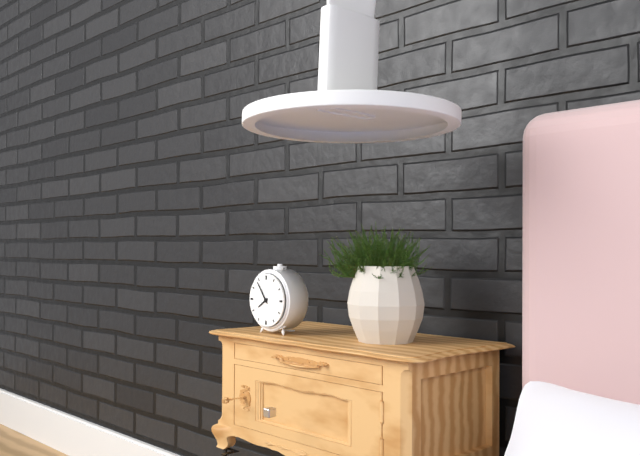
7:54
